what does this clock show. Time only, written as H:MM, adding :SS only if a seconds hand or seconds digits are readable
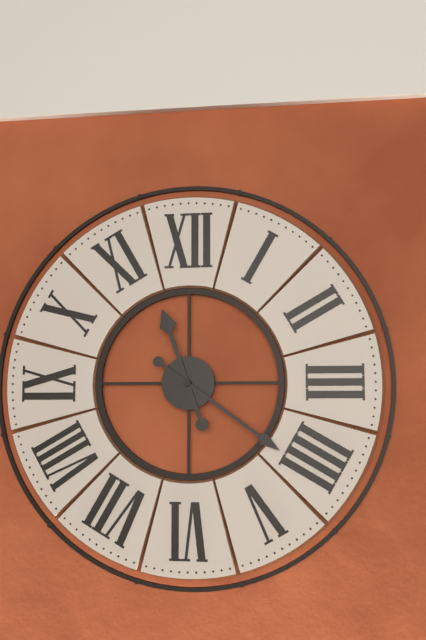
11:21
